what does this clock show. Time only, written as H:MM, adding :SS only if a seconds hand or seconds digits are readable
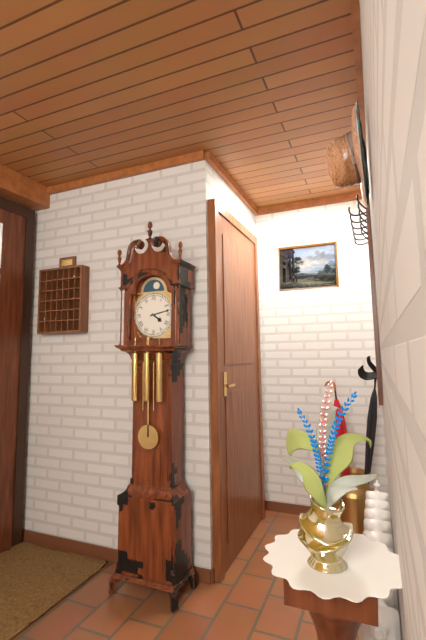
4:13
